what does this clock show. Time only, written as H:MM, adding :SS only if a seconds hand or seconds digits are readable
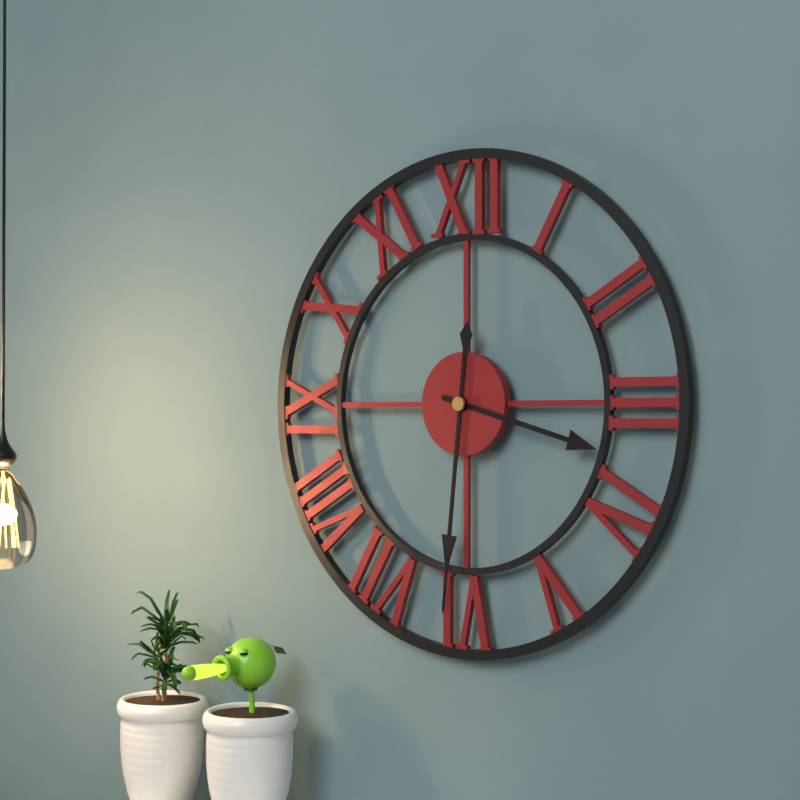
3:31
